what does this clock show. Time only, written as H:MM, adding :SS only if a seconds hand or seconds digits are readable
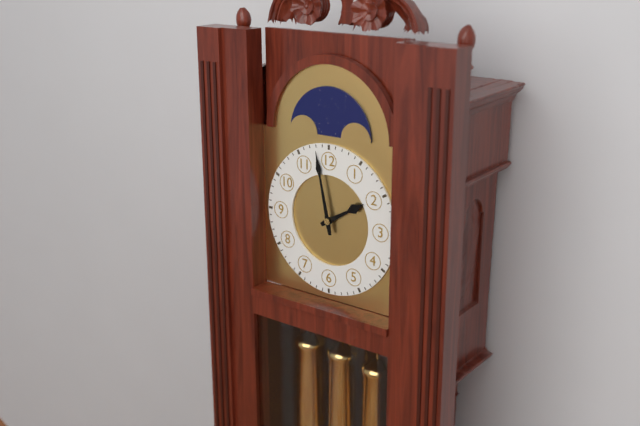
1:58
